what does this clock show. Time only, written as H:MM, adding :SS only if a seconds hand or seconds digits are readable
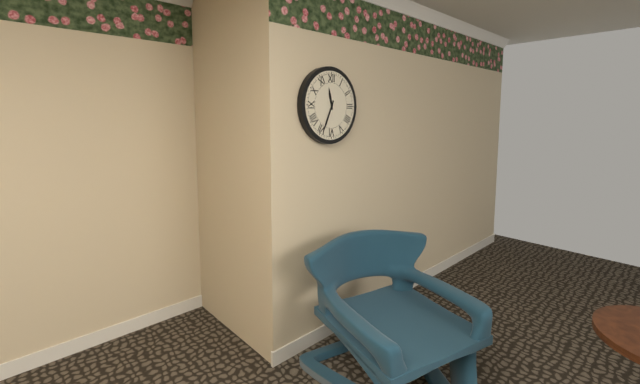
11:34
